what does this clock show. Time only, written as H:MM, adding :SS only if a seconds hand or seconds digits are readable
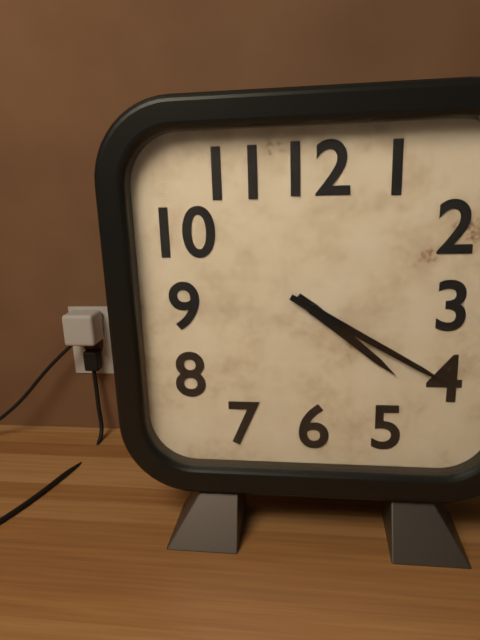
4:20
